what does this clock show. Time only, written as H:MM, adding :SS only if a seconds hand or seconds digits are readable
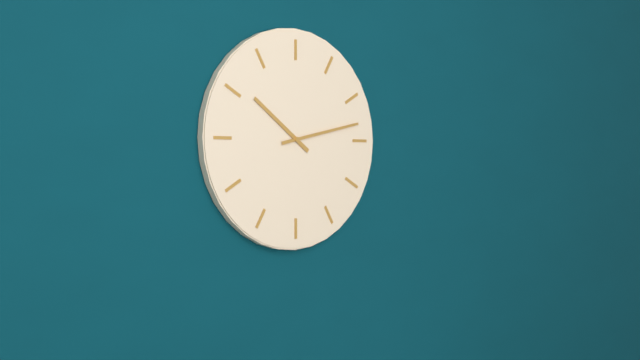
10:13
